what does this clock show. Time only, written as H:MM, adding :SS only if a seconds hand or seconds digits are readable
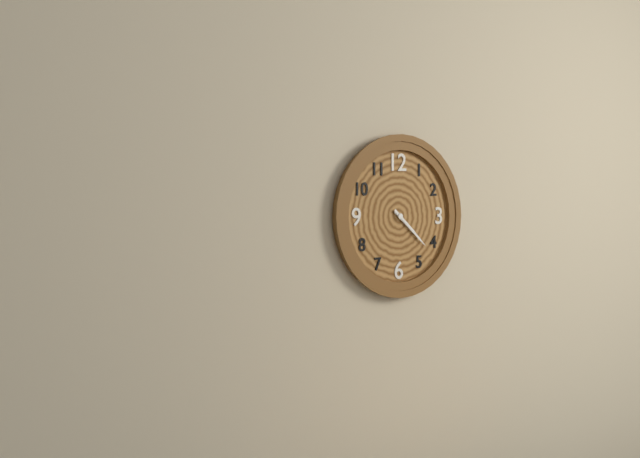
4:22
